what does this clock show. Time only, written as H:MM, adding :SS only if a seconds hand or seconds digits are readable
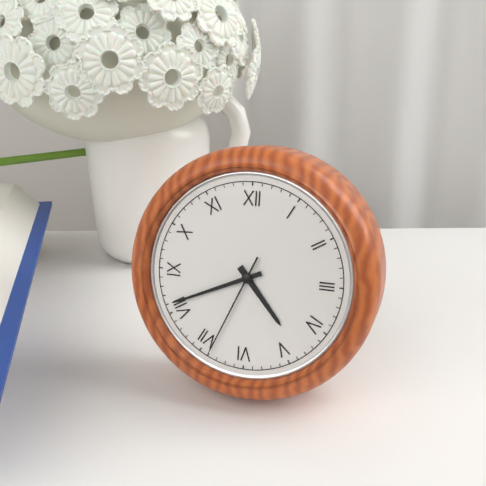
4:41:34
